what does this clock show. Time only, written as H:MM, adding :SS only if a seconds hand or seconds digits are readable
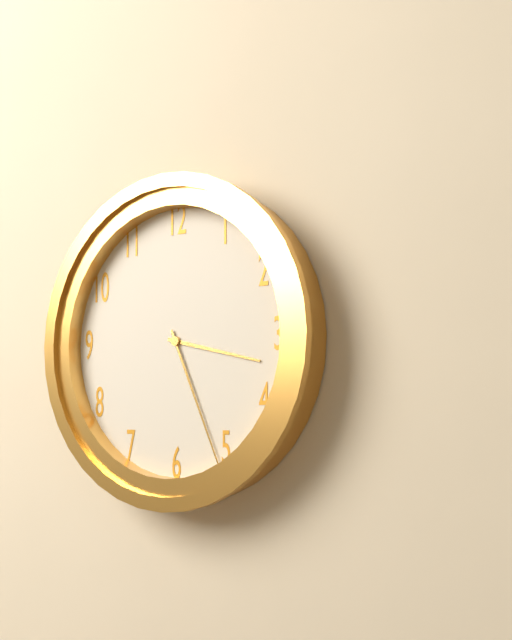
3:26
